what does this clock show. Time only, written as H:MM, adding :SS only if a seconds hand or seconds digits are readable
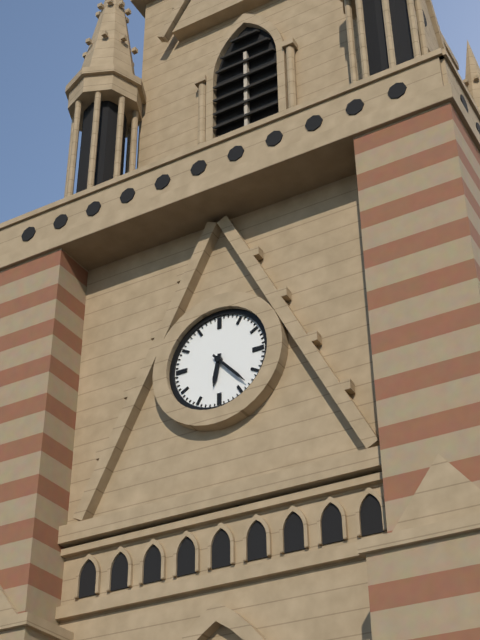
6:23
